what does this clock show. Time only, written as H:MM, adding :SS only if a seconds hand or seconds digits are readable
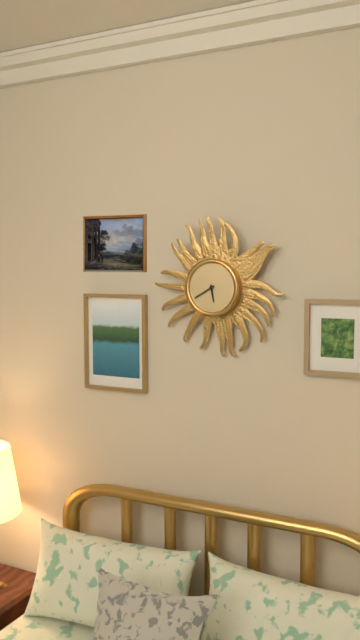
5:40
